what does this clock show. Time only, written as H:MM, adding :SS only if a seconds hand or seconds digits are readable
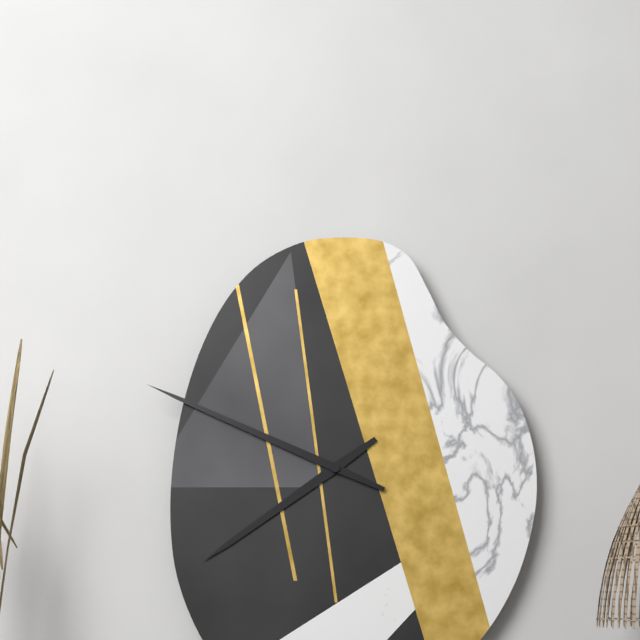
7:49
